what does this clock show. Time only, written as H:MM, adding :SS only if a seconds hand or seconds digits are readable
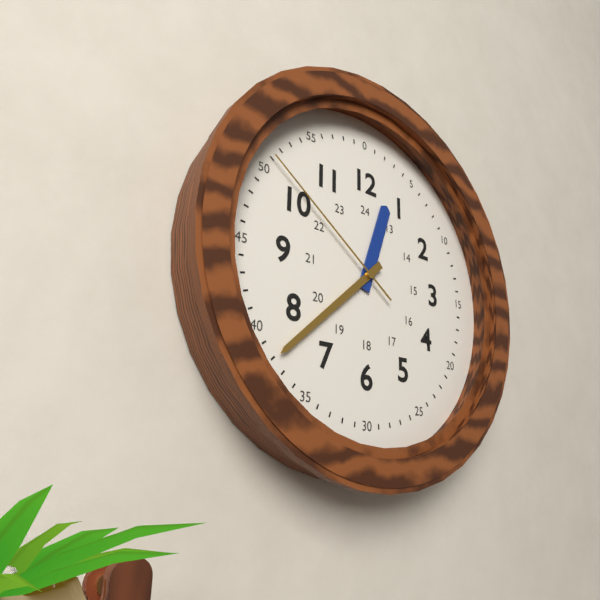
12:38:51
